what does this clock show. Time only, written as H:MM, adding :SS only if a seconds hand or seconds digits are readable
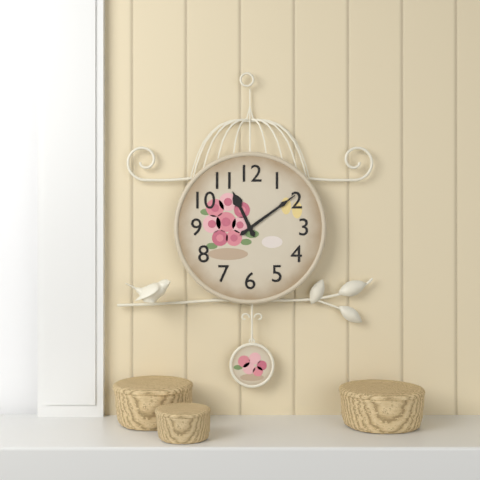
11:09
